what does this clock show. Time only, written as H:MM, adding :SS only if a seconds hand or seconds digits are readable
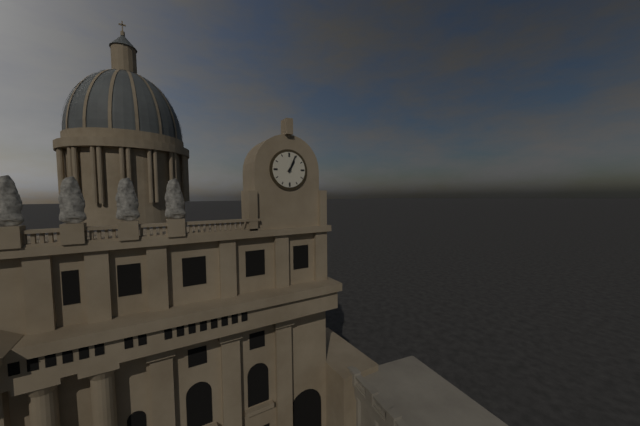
1:04
